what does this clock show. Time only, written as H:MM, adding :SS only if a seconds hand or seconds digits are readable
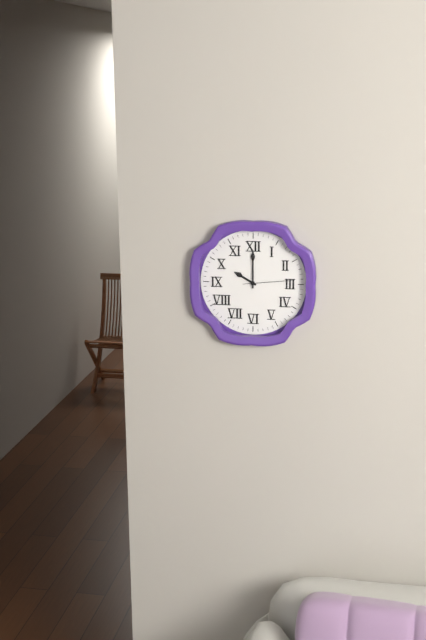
10:00:14
